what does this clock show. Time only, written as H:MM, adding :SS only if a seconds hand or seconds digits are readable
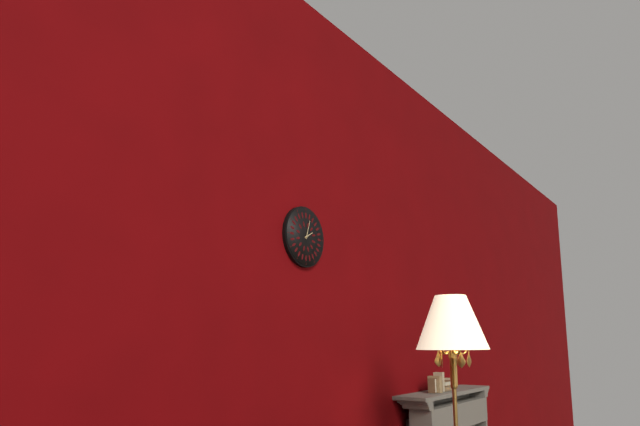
2:03
